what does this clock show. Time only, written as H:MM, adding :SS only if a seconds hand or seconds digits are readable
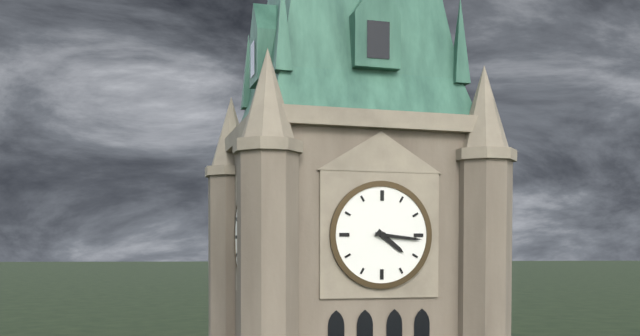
4:16
